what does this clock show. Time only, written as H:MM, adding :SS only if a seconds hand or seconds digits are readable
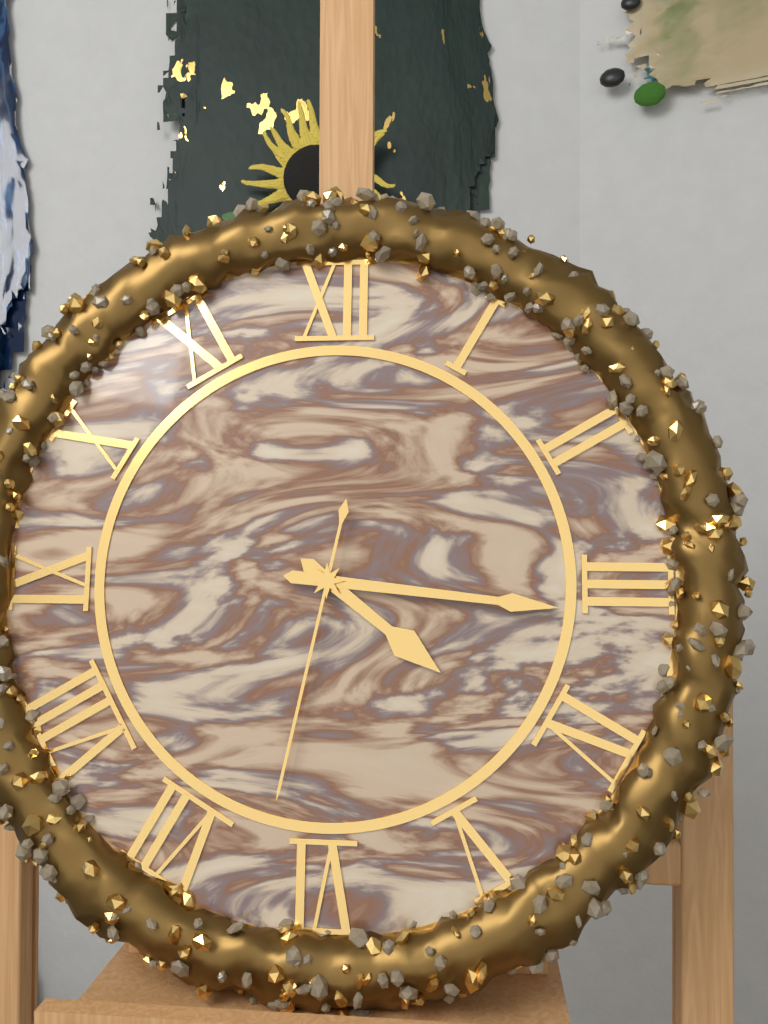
4:16:32
